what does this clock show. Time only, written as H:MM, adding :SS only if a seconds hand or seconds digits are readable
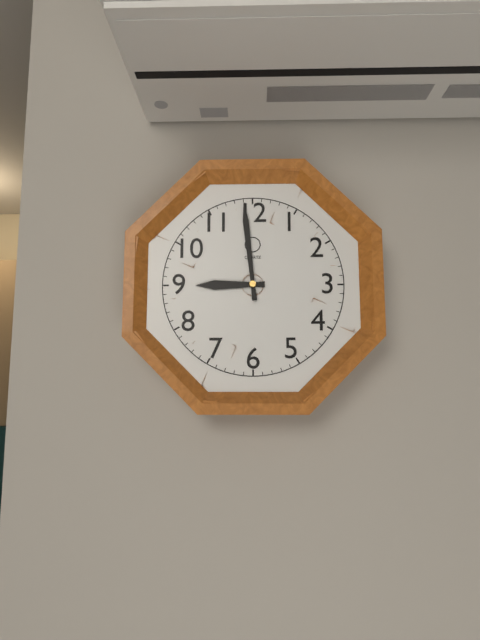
8:59
